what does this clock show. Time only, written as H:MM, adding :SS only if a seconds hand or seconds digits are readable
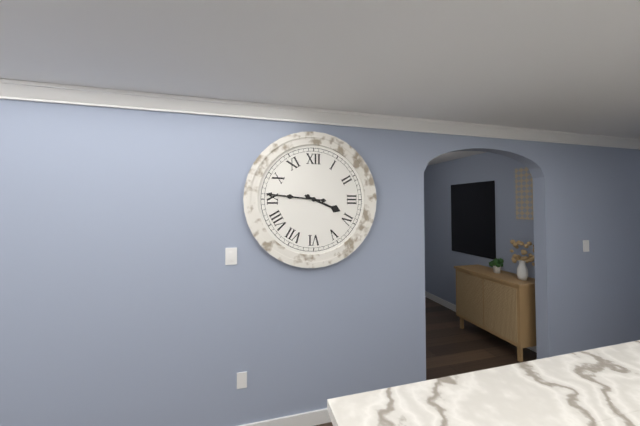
3:46
